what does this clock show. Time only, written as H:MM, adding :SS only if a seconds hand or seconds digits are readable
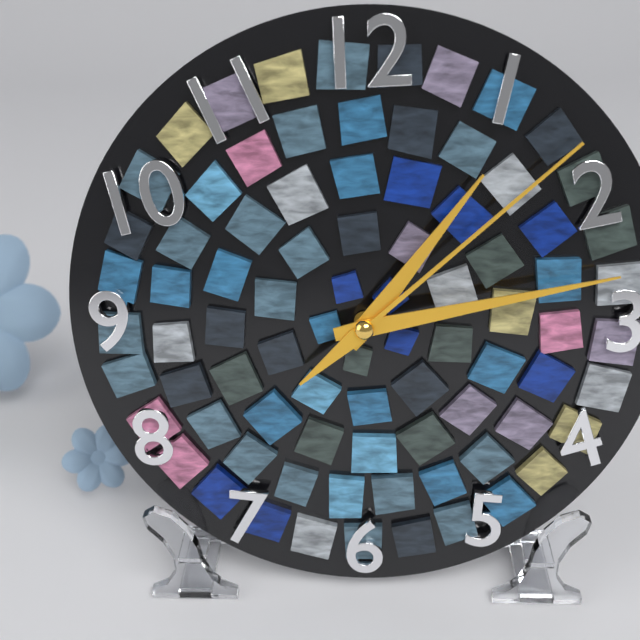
1:13:08
